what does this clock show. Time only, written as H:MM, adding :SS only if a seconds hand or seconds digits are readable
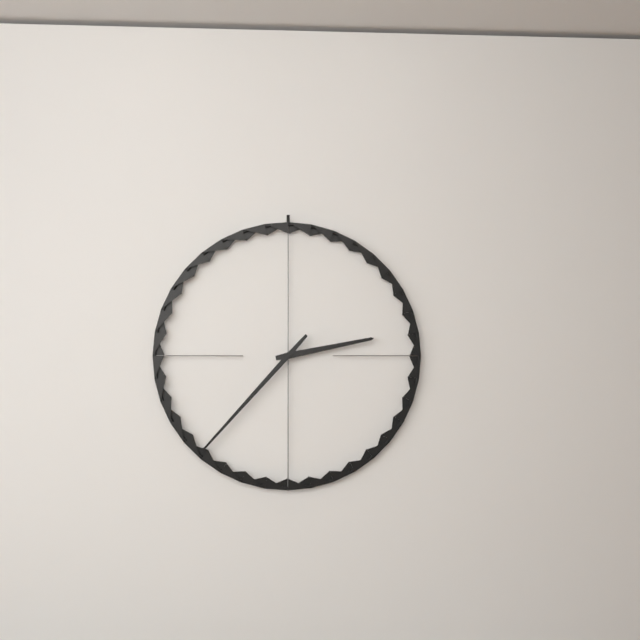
2:37
